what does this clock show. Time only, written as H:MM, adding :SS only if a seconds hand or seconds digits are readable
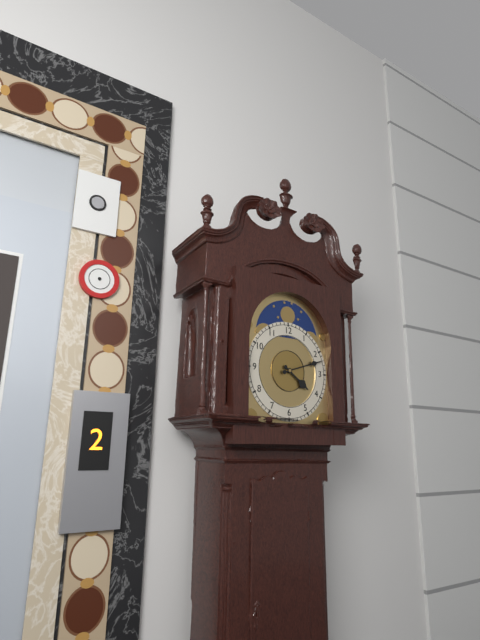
4:12
